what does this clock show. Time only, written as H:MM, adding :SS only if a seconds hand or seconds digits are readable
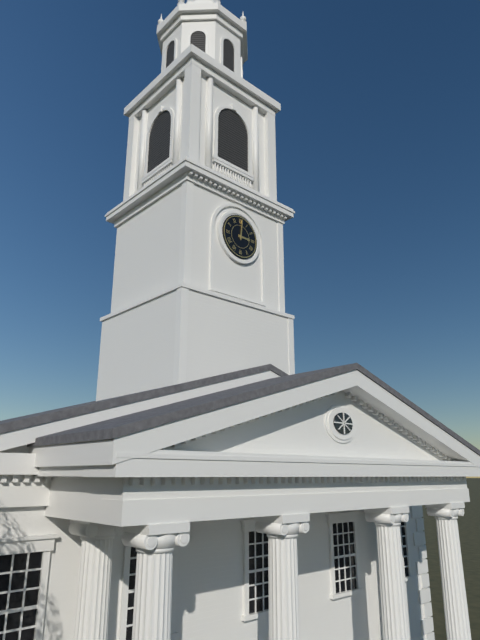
3:01
